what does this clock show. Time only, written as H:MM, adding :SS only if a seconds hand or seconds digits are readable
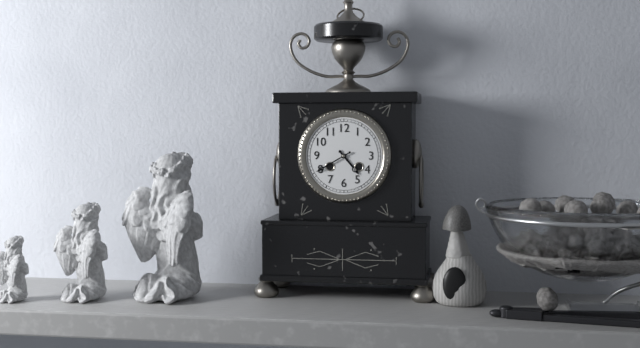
4:40
